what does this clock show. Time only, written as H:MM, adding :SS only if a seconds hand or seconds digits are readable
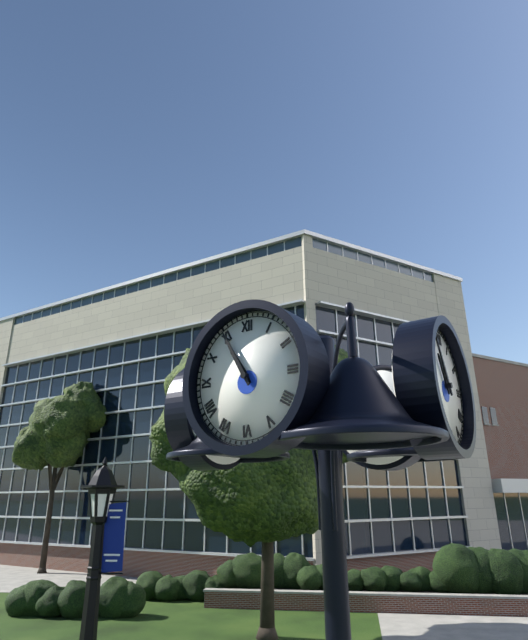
10:55
